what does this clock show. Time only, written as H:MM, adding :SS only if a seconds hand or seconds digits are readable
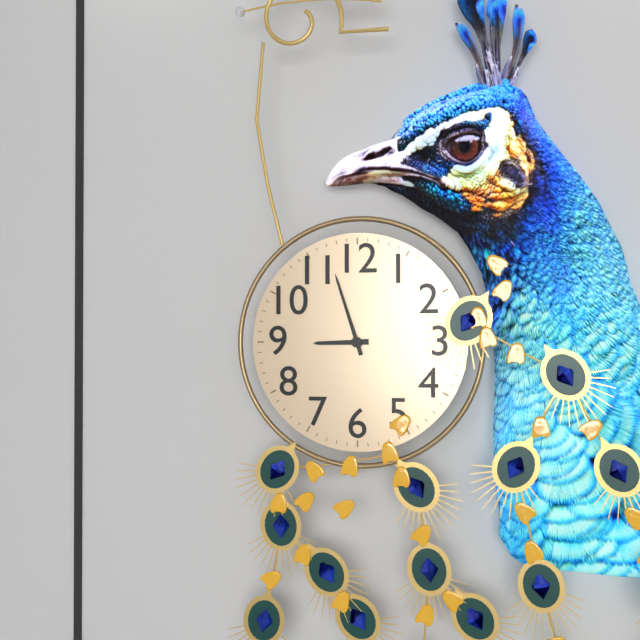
8:57
